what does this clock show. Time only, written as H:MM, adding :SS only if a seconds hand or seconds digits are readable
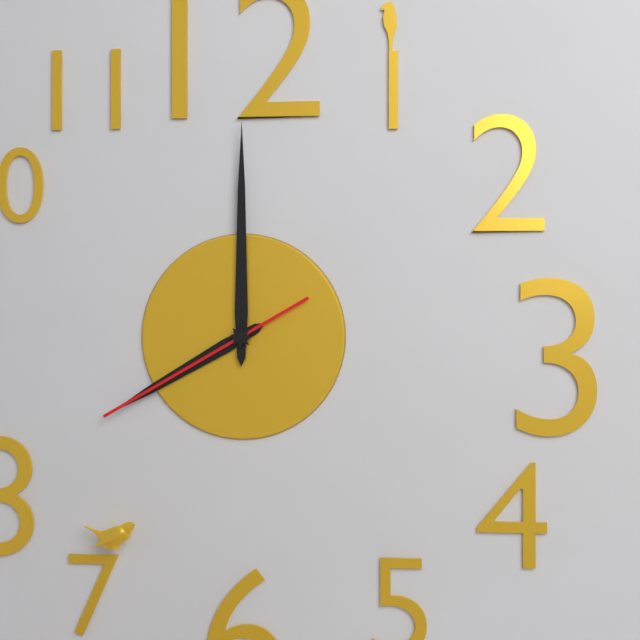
8:00:40
